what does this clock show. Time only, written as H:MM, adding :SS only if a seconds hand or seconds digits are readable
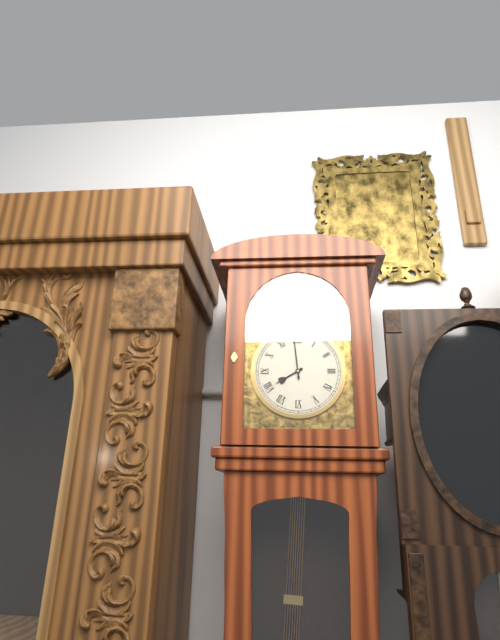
7:59
